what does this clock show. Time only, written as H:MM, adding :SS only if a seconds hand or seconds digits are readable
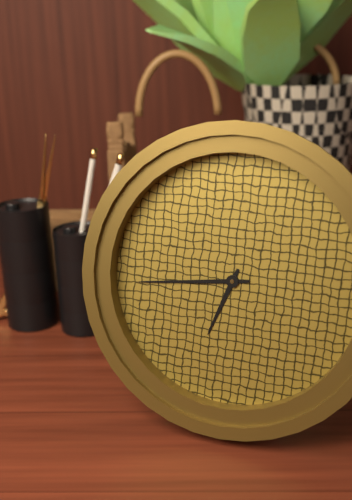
6:44
